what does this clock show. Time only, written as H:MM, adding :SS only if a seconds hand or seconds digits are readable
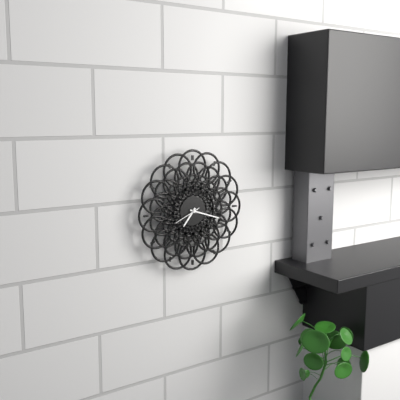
7:18
